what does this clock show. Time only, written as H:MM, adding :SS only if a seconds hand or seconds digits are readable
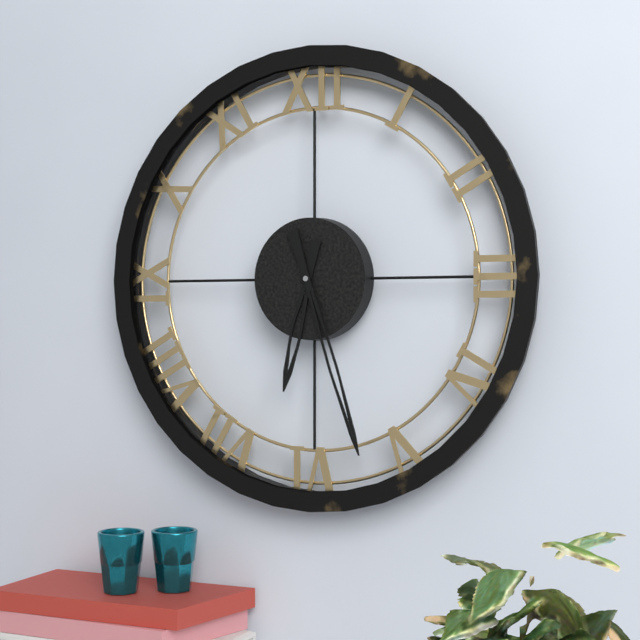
6:27
